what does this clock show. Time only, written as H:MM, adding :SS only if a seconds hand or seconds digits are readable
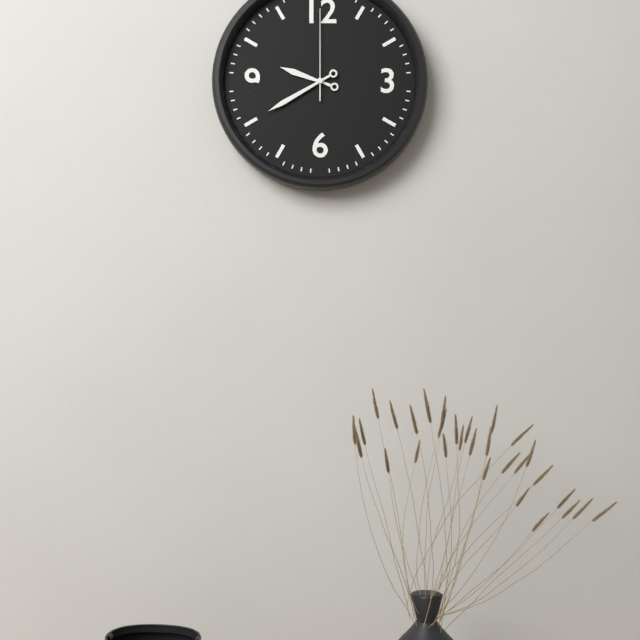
9:40:00
